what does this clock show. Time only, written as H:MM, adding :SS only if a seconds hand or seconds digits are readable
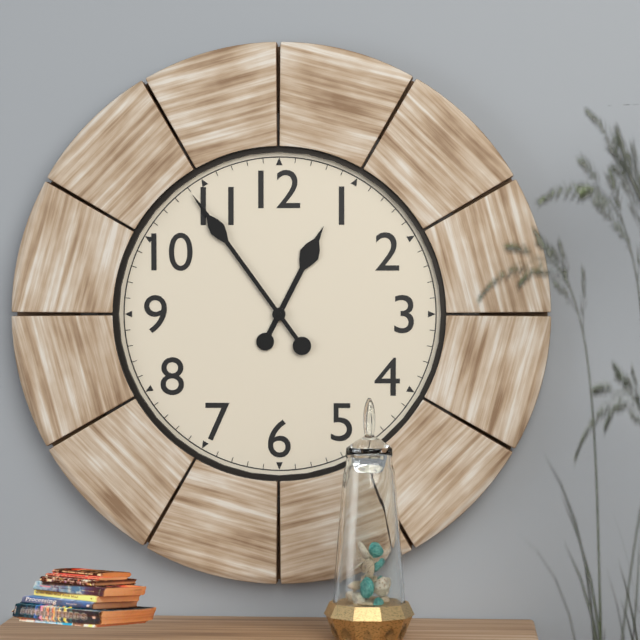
12:54
